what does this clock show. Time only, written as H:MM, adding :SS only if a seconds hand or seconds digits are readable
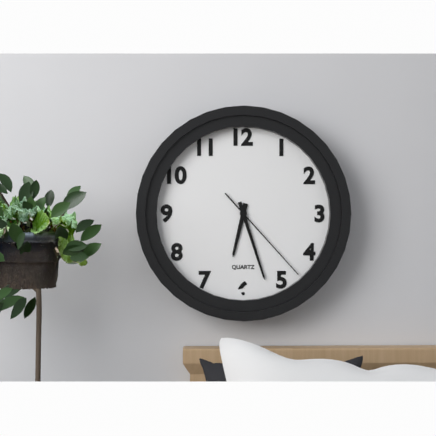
6:27:23
